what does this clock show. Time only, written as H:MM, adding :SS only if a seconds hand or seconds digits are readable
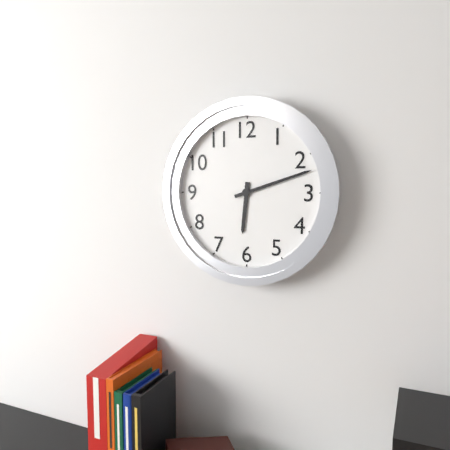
6:12
